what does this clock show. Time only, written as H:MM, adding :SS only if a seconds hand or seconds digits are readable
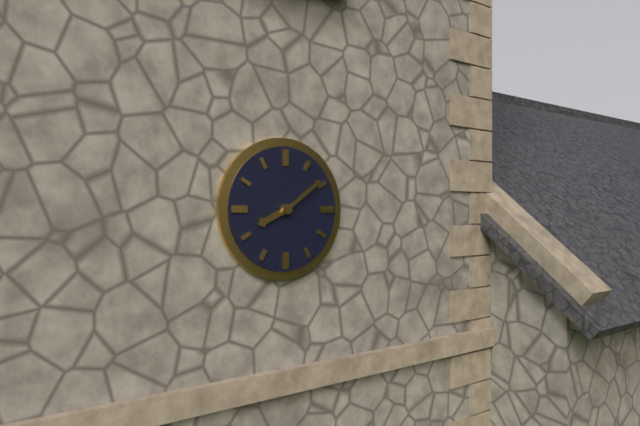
8:09
